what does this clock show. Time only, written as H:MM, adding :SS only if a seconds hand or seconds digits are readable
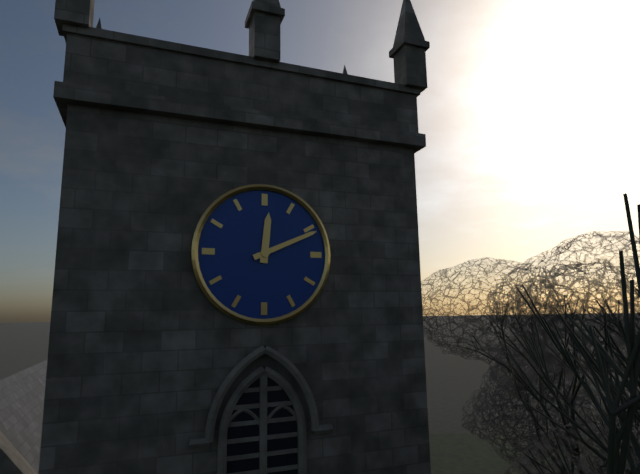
12:11
